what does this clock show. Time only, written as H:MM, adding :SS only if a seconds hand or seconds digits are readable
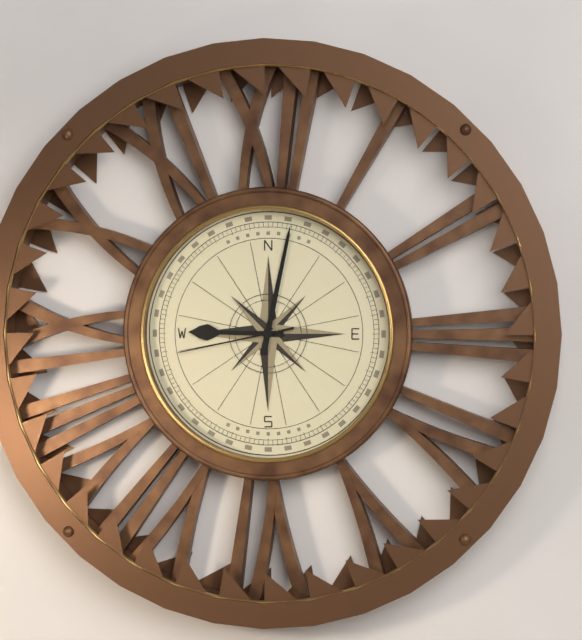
9:02:43
